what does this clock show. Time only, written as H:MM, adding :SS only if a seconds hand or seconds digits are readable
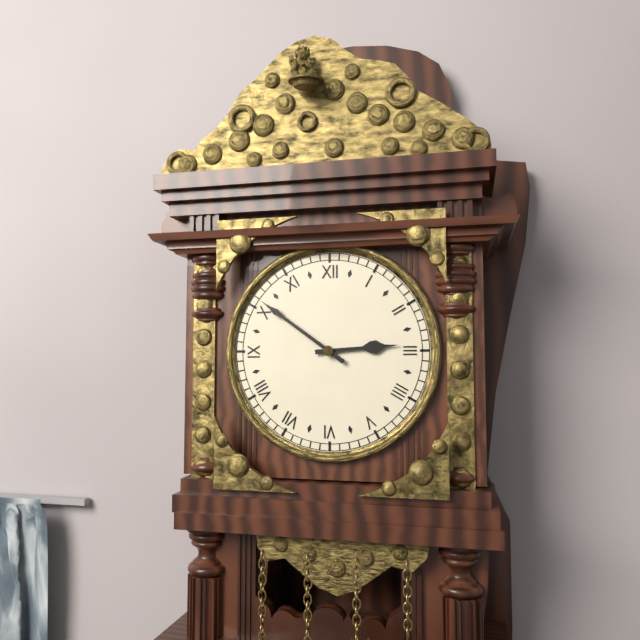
2:51
